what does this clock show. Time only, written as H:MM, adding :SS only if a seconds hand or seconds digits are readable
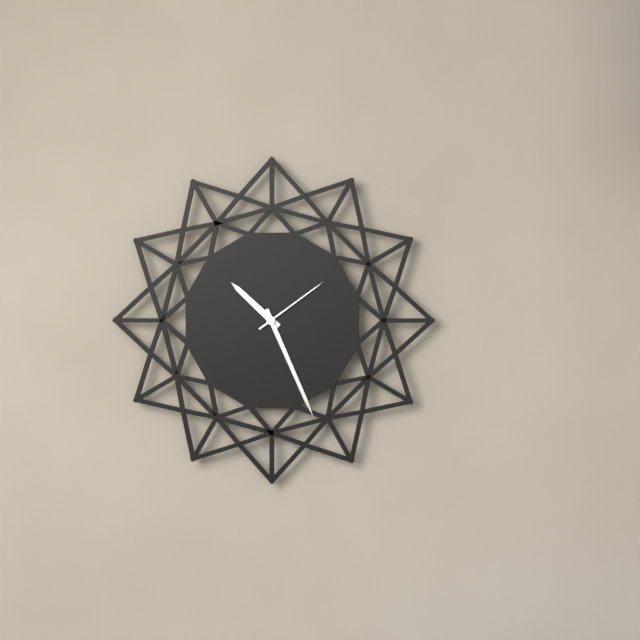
10:26:09
